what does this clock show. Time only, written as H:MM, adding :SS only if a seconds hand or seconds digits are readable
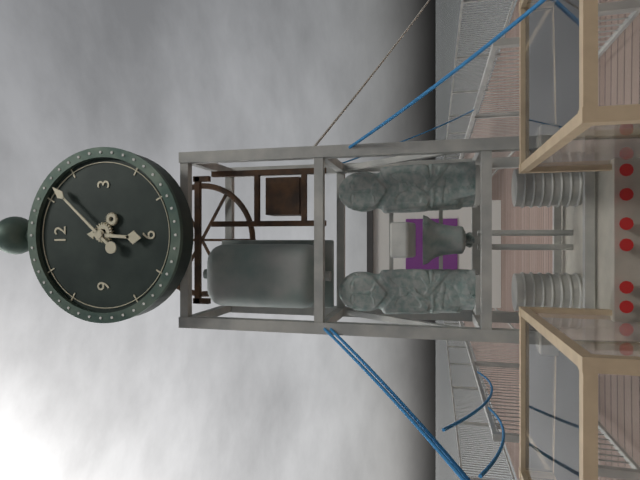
6:07
